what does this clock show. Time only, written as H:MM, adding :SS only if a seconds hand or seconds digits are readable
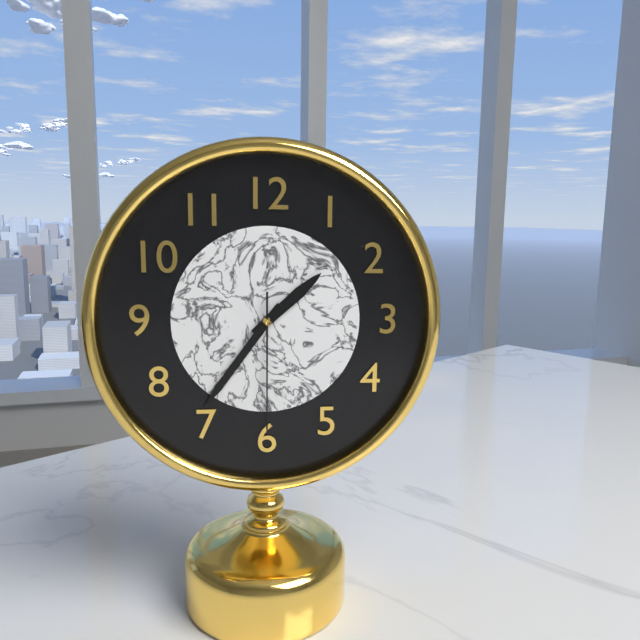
1:36:30
